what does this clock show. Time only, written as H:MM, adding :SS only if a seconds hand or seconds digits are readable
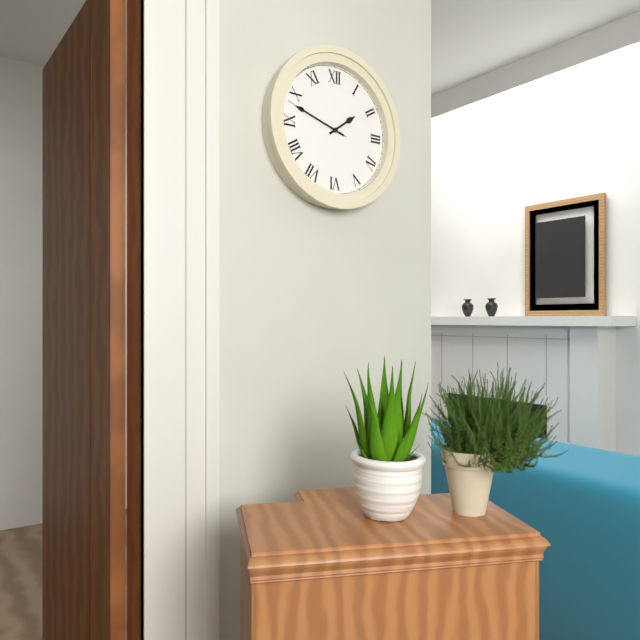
1:48:48
